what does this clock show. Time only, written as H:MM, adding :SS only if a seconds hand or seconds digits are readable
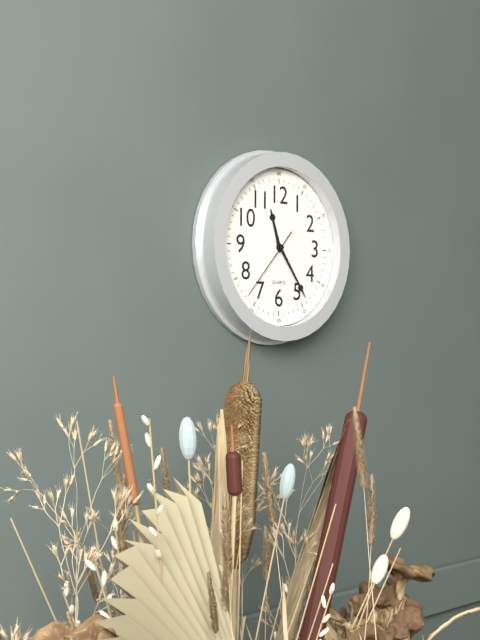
11:24:37
